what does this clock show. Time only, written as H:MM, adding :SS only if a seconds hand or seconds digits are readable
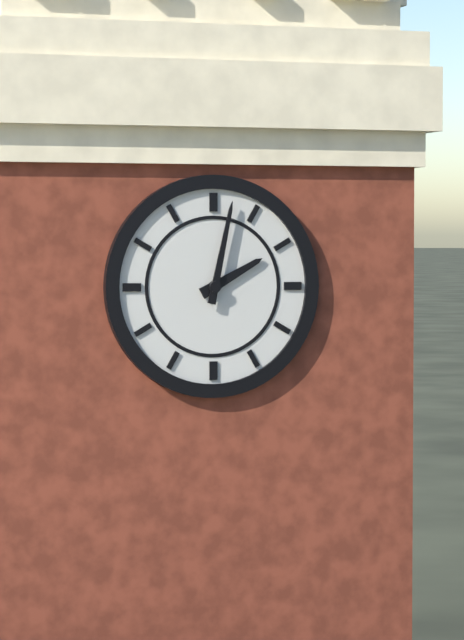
2:02
